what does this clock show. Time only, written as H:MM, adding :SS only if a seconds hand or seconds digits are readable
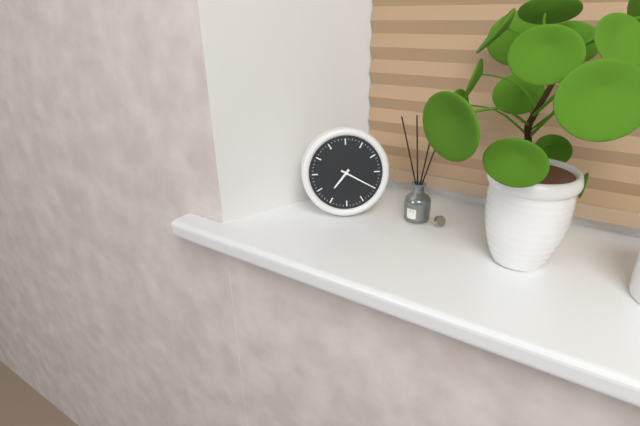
7:20
